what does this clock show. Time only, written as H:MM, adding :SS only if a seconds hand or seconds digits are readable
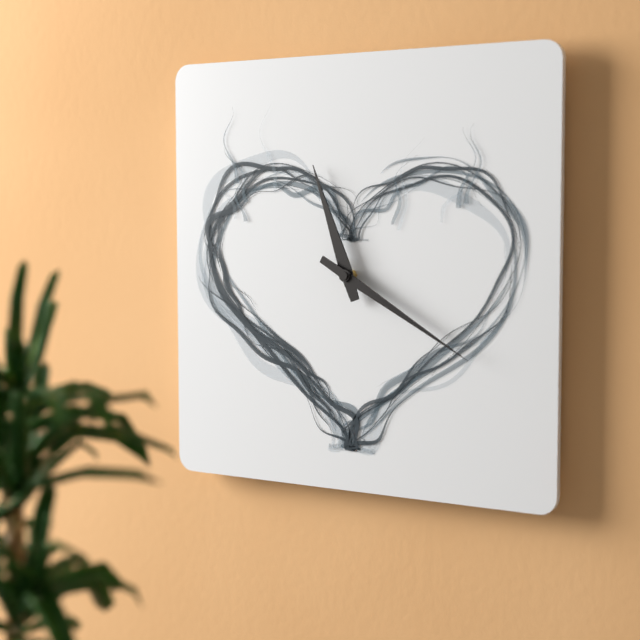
11:20
